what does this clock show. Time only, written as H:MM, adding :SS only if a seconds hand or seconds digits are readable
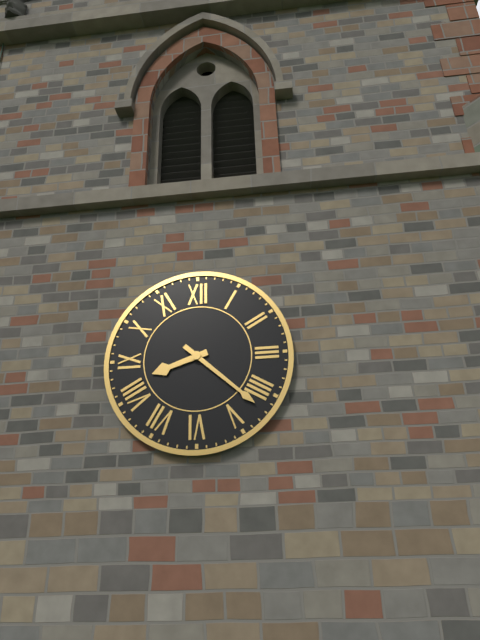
8:22
